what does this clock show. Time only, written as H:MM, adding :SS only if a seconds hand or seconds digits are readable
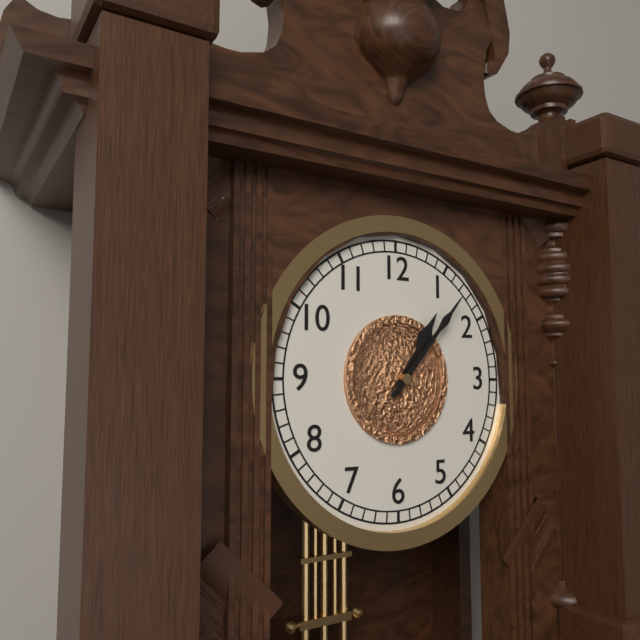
1:07
